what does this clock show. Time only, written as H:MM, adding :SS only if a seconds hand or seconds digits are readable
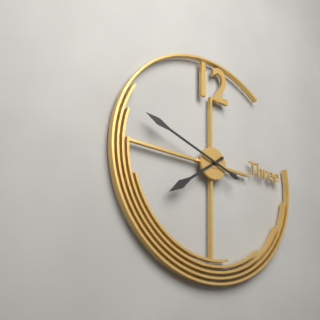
7:48
